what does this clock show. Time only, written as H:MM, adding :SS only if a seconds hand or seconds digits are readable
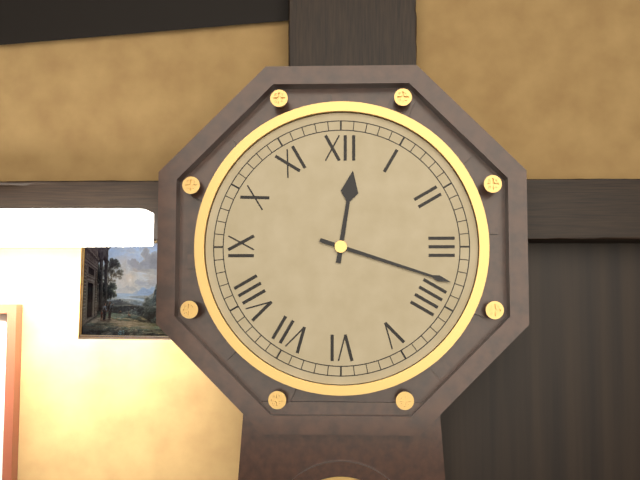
12:18
